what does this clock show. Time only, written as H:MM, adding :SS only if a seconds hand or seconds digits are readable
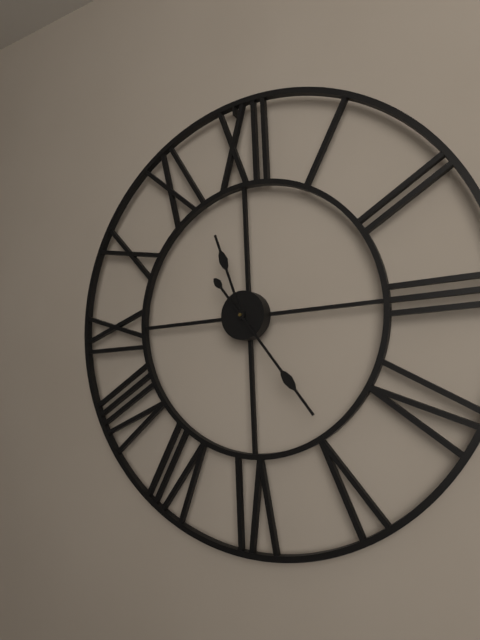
11:24
